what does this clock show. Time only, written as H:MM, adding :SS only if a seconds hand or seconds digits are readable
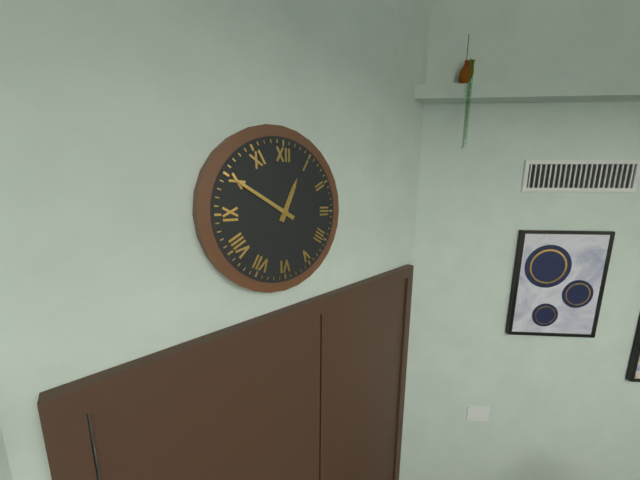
12:50
